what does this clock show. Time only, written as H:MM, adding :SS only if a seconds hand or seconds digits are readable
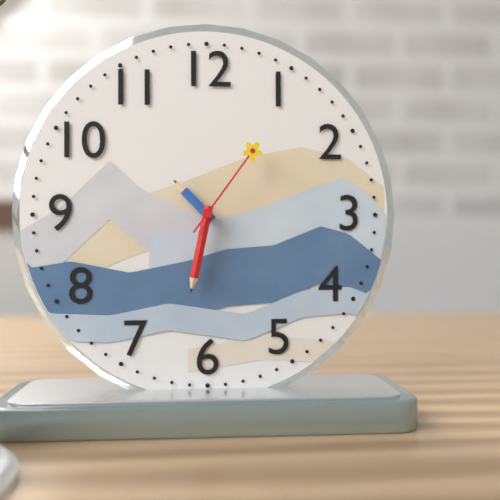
10:32:06
